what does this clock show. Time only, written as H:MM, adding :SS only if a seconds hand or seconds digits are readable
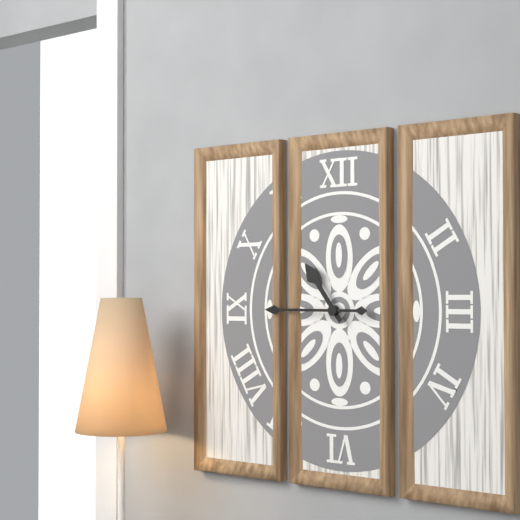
10:45
